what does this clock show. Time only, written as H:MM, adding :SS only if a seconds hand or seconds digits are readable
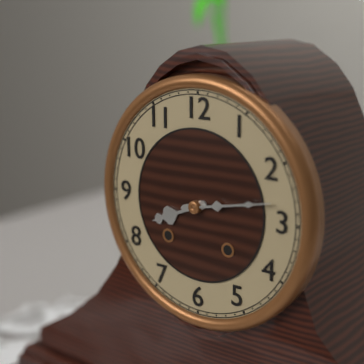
8:13
